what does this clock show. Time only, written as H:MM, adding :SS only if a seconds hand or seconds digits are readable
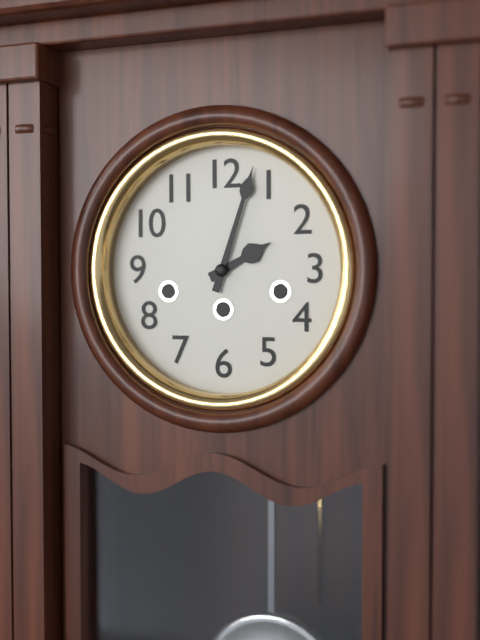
2:03
